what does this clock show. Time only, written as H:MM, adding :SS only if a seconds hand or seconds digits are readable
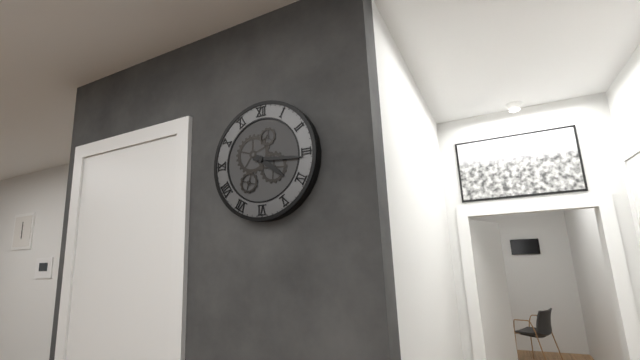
4:16
